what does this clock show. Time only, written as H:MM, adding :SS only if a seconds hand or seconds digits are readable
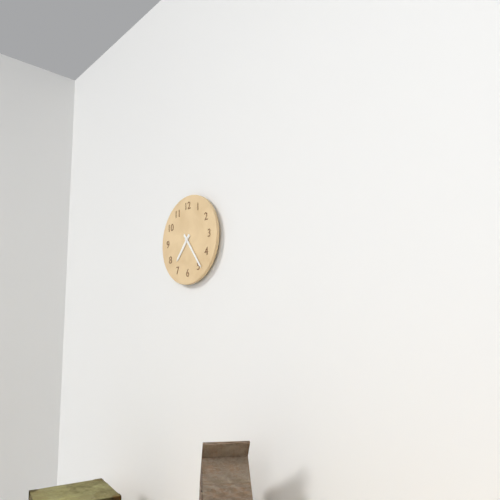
7:24
